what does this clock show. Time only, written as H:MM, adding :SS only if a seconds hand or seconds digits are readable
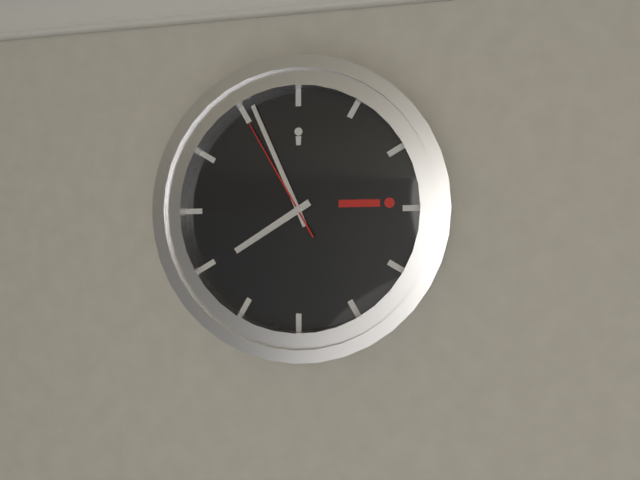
7:56:55
